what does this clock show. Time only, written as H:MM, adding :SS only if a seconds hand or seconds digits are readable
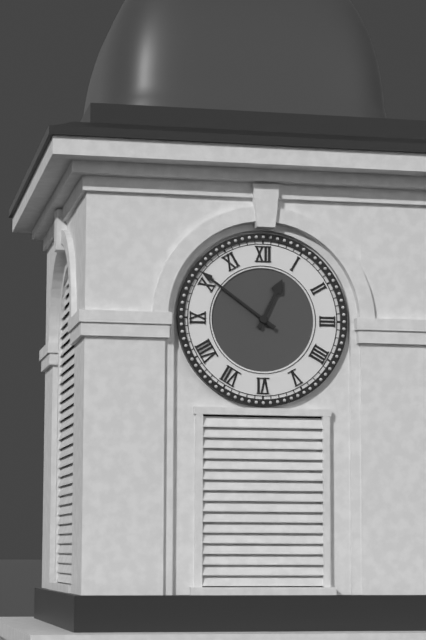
12:51
